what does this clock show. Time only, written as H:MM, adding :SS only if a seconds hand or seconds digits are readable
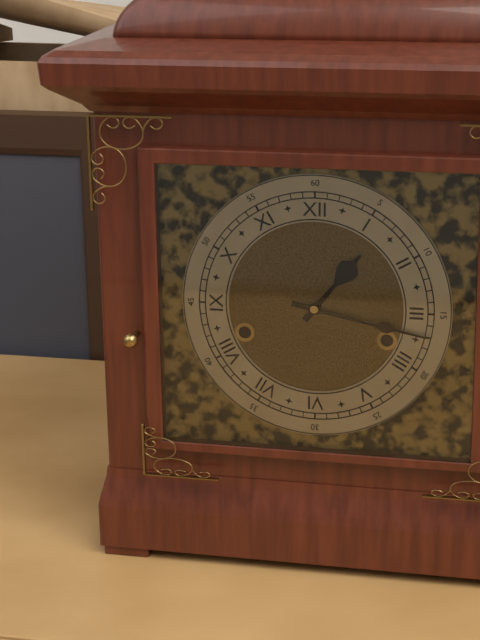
1:17
